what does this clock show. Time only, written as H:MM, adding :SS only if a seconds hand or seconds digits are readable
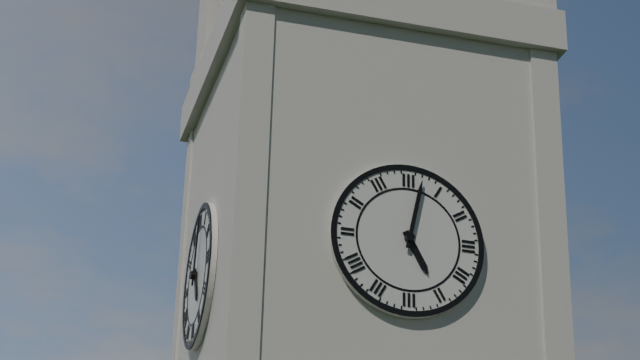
5:02
